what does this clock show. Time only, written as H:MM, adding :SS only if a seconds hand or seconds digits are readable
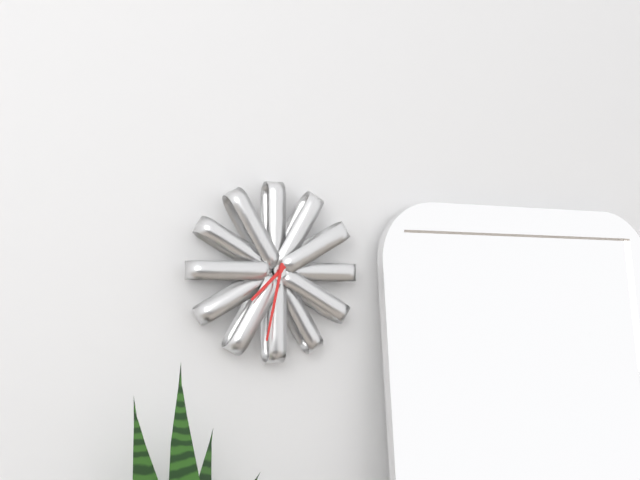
7:32
